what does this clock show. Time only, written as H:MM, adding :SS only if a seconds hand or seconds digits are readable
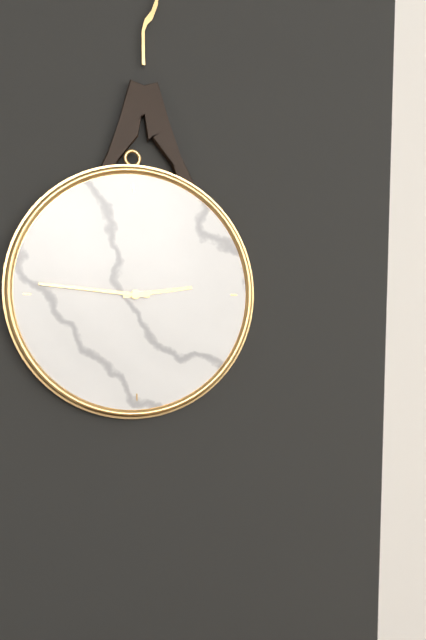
2:46
